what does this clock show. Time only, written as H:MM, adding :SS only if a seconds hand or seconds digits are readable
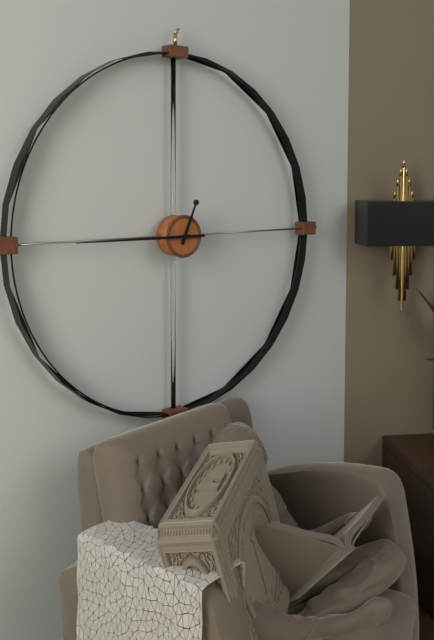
12:45
